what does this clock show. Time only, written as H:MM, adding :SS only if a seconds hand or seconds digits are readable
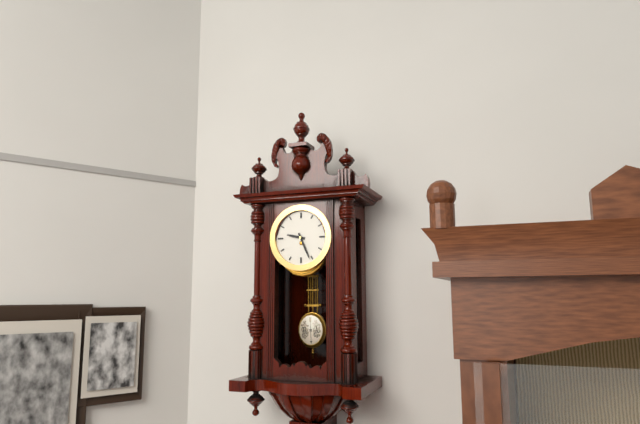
9:26
